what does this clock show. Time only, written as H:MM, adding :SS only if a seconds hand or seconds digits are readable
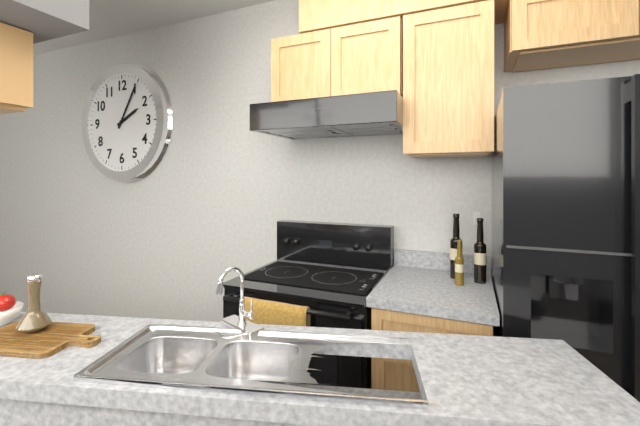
2:05
